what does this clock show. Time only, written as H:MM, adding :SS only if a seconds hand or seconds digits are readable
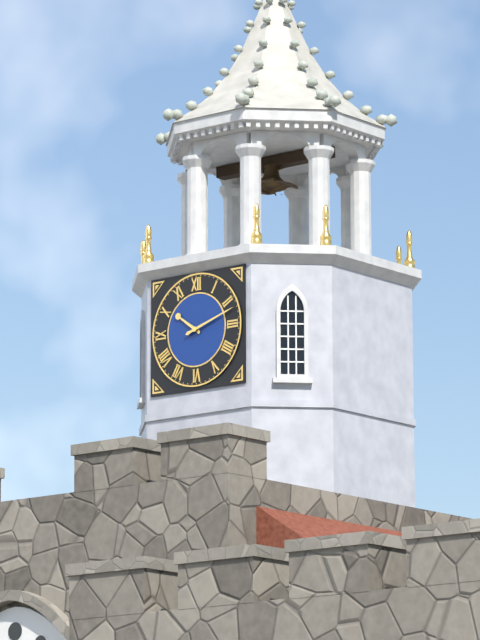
10:12
